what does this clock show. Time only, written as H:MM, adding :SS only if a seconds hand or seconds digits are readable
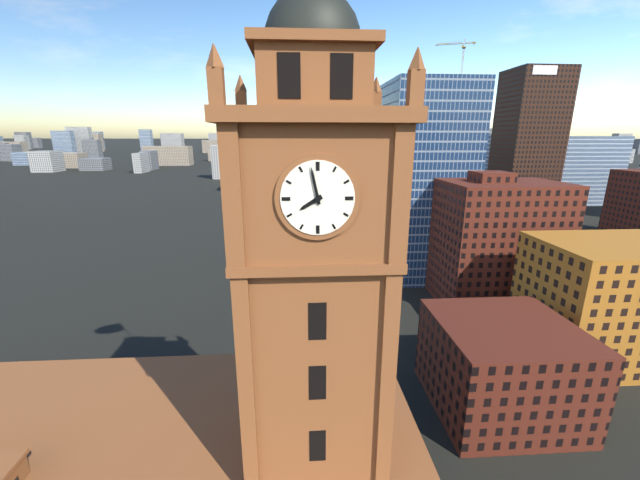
7:58
